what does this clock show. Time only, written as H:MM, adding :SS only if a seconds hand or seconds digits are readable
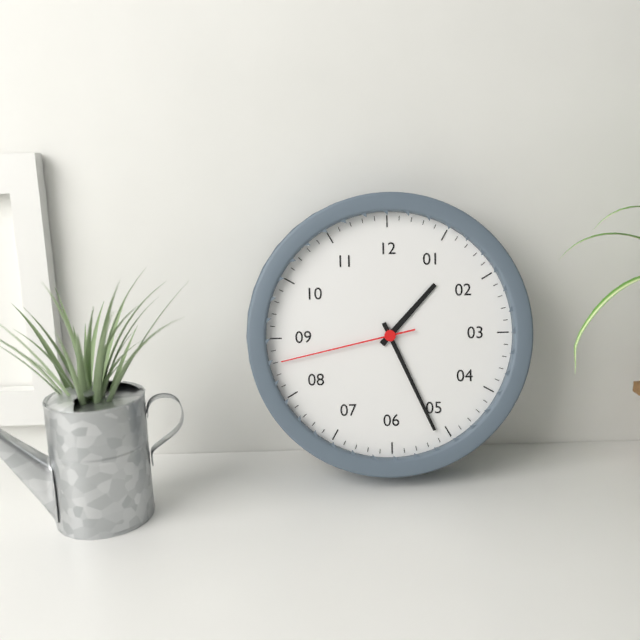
1:26:43
